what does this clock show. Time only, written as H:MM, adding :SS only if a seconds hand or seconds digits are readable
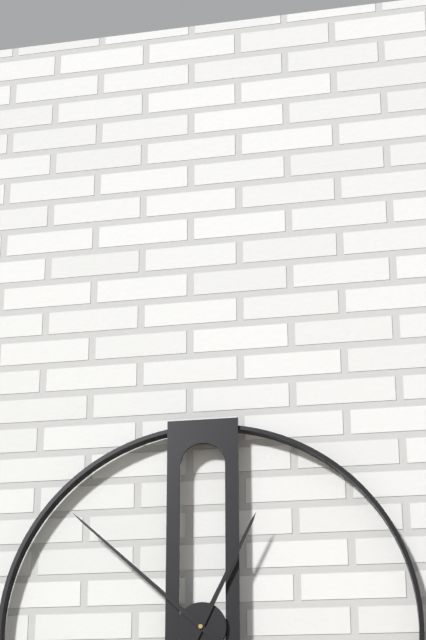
12:52
